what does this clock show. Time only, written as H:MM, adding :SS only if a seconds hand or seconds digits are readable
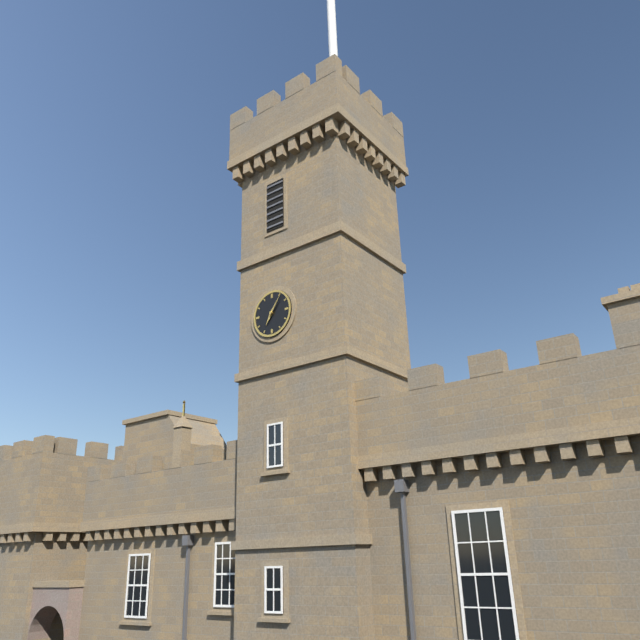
7:06
